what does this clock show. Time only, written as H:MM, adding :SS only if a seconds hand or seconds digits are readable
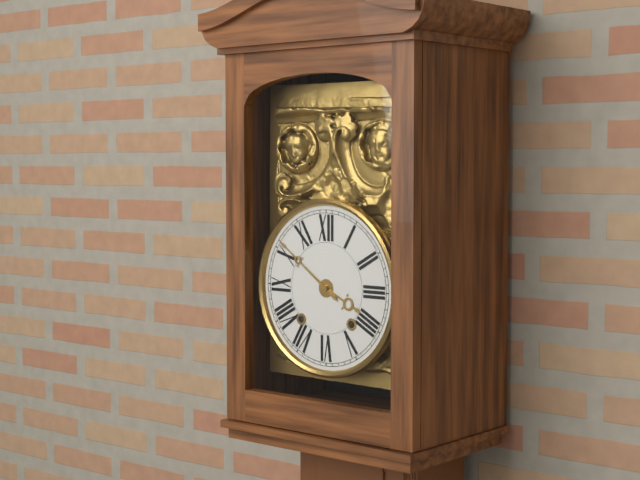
3:51
